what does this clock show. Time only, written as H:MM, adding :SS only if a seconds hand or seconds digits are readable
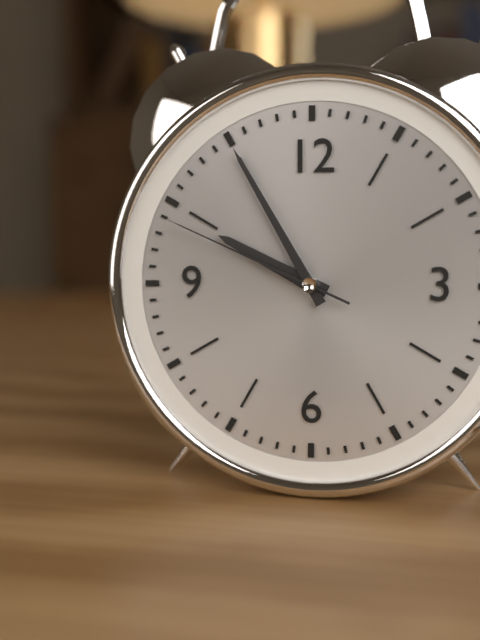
9:55:49
